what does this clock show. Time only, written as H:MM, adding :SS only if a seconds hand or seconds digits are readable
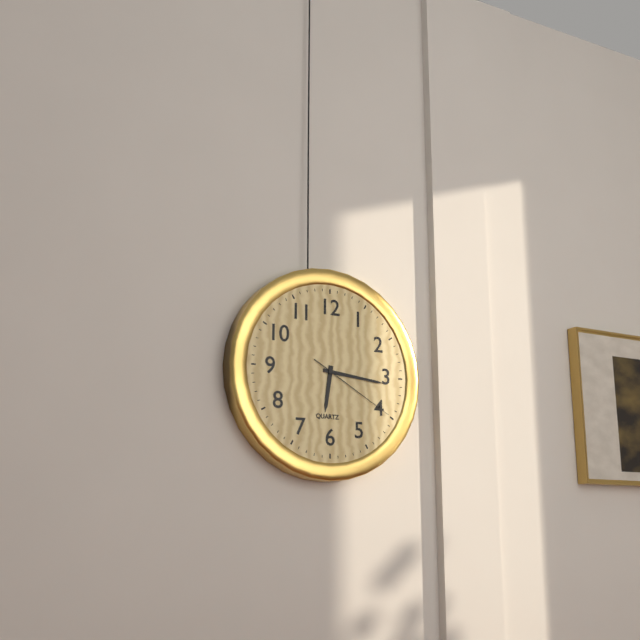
6:16:20
